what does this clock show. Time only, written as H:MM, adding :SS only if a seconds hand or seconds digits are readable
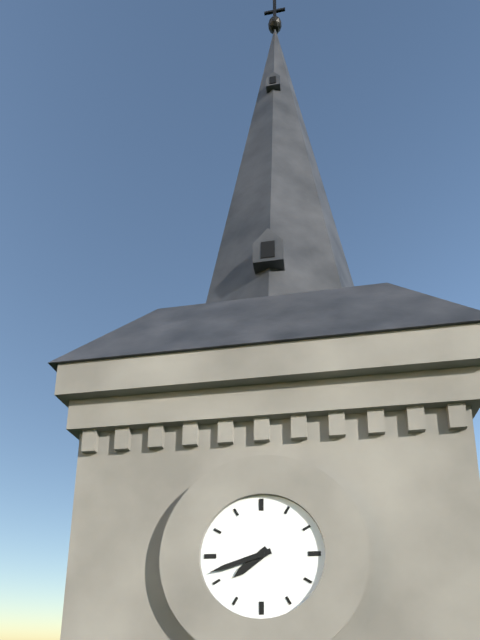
7:42
